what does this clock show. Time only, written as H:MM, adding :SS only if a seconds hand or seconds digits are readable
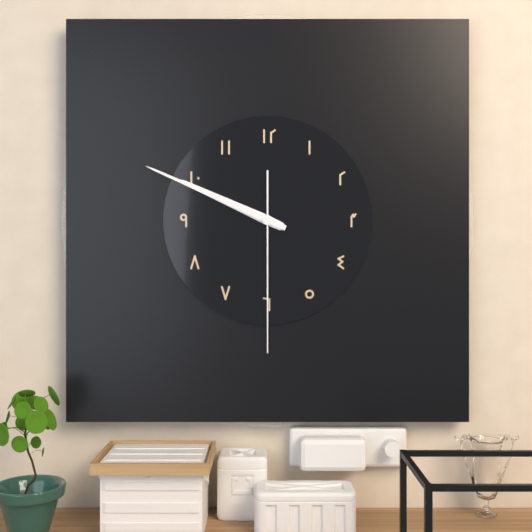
9:49:30
